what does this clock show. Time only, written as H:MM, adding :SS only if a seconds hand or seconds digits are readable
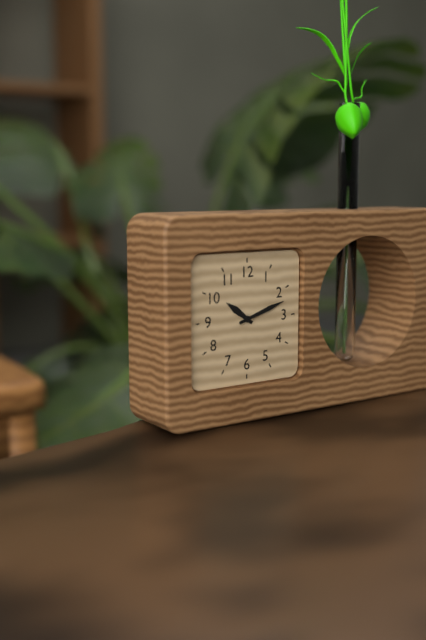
10:12
